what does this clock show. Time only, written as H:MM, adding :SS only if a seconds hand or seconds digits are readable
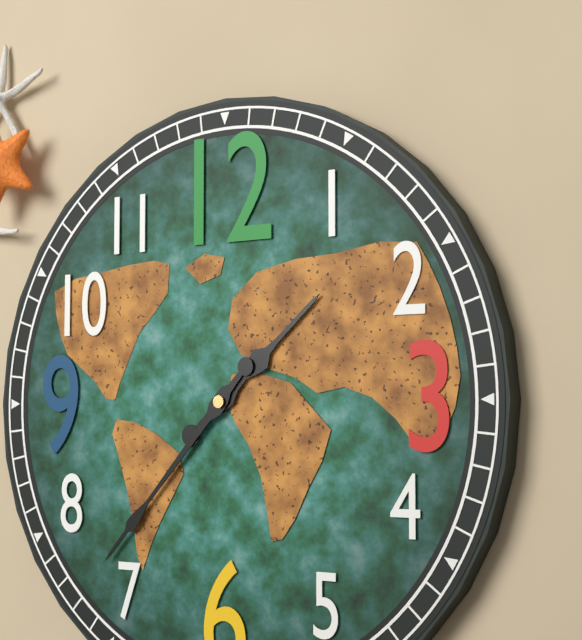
1:37
